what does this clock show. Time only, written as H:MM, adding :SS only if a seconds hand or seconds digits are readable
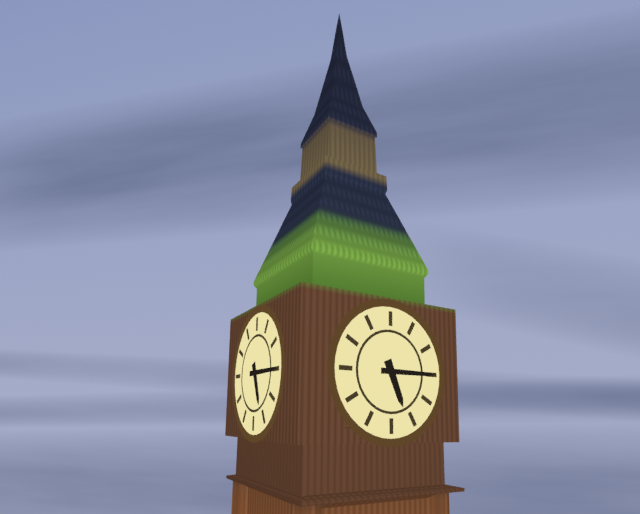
5:15
